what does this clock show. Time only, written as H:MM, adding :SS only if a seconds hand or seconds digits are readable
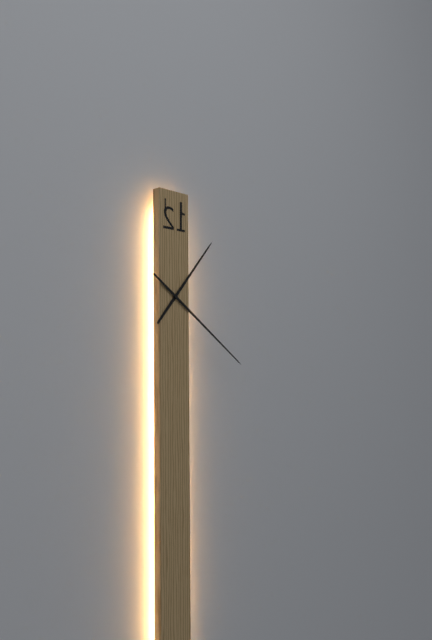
1:21
